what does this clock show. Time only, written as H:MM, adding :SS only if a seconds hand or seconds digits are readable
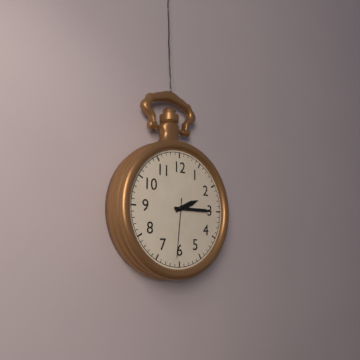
2:15:31
